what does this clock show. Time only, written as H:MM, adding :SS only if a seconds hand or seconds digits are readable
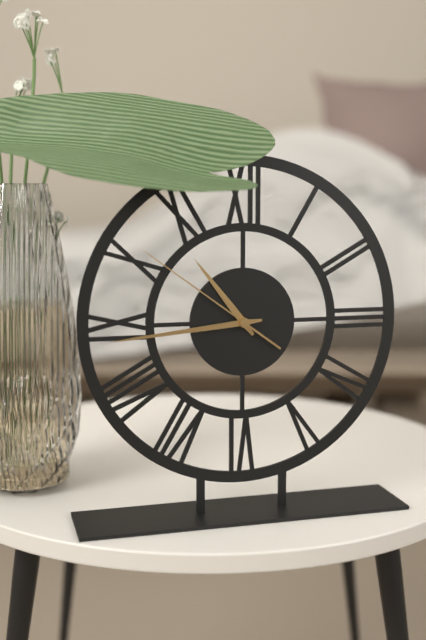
10:44:51
